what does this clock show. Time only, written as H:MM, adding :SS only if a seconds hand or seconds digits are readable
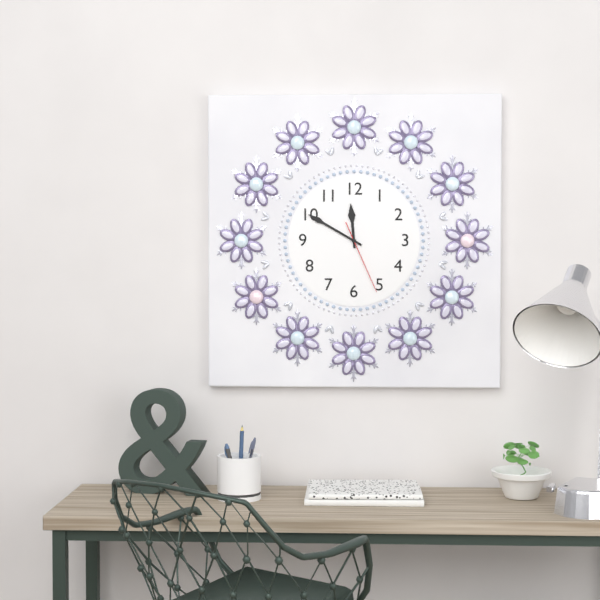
11:50:26
